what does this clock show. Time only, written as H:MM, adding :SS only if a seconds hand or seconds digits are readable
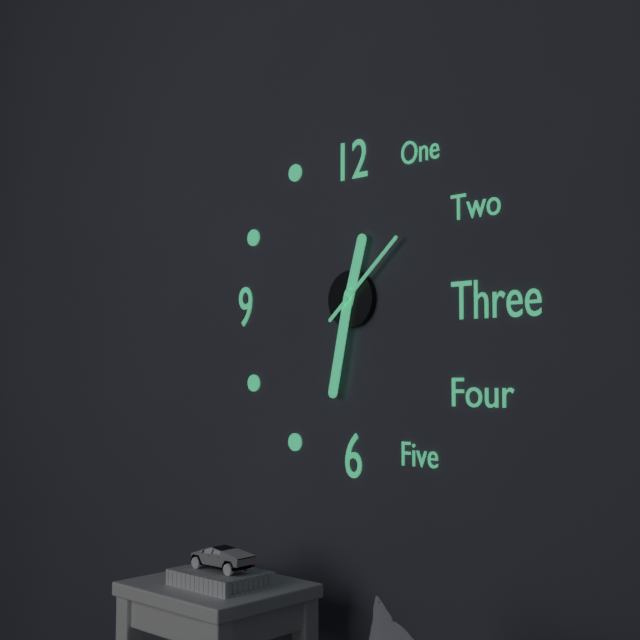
12:32:08
